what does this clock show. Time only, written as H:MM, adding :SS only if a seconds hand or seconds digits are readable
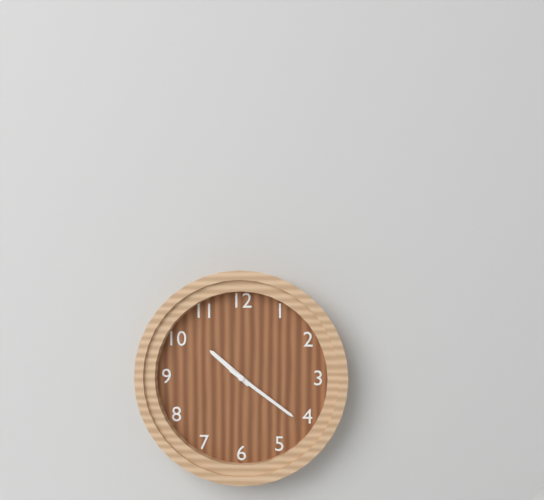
10:21
